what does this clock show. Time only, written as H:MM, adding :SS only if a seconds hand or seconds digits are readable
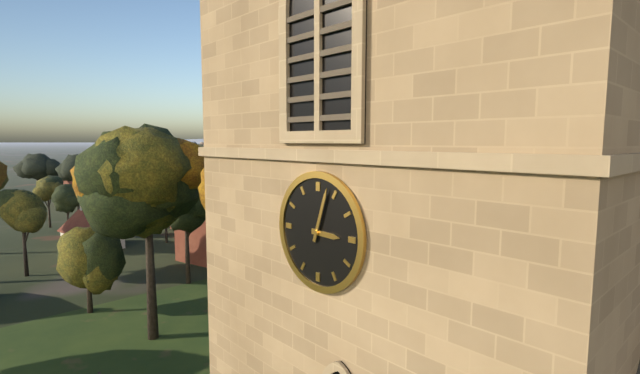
3:03
